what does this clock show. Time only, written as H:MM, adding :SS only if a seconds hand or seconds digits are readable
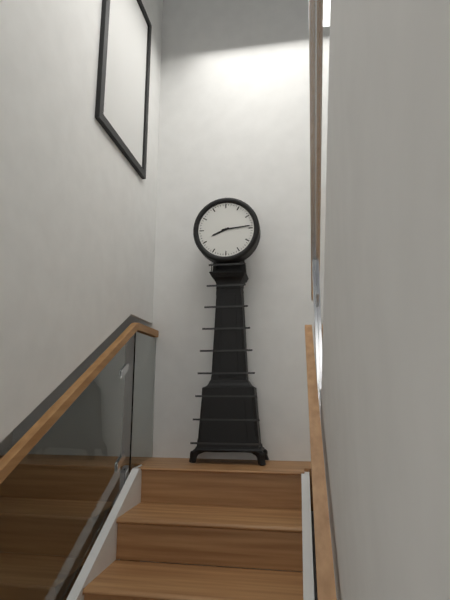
8:14
